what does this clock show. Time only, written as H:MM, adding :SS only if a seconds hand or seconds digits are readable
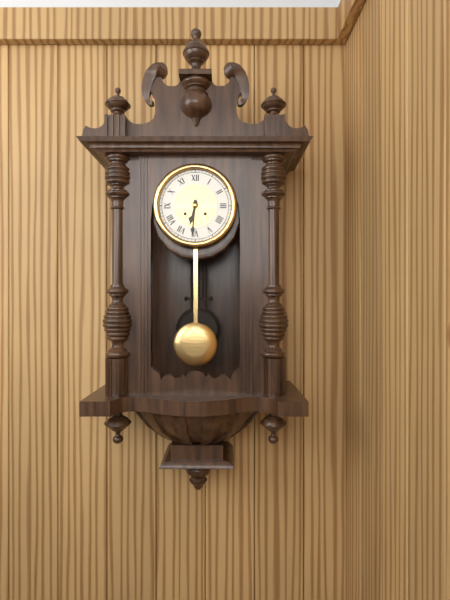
6:31
